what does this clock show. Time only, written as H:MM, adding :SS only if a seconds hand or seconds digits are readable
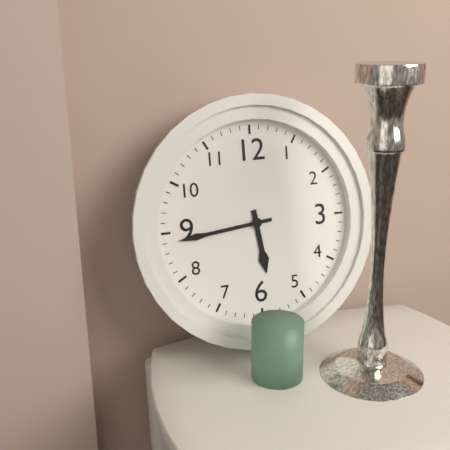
5:44
